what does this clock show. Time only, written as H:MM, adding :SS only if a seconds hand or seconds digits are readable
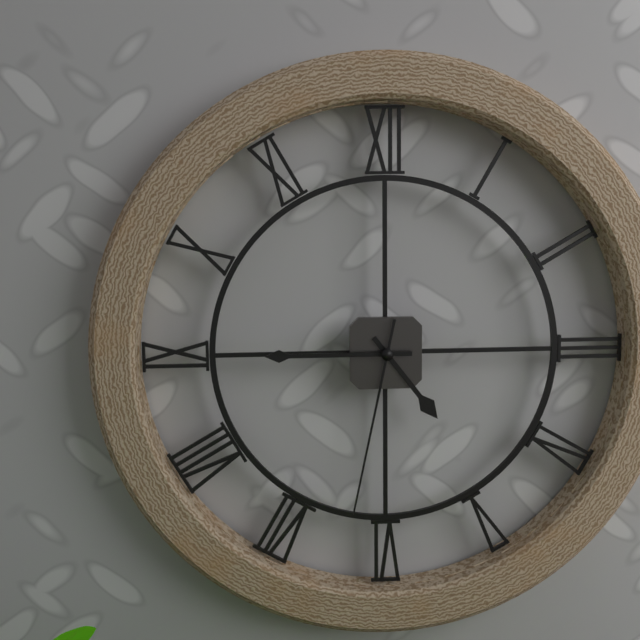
4:45:32
